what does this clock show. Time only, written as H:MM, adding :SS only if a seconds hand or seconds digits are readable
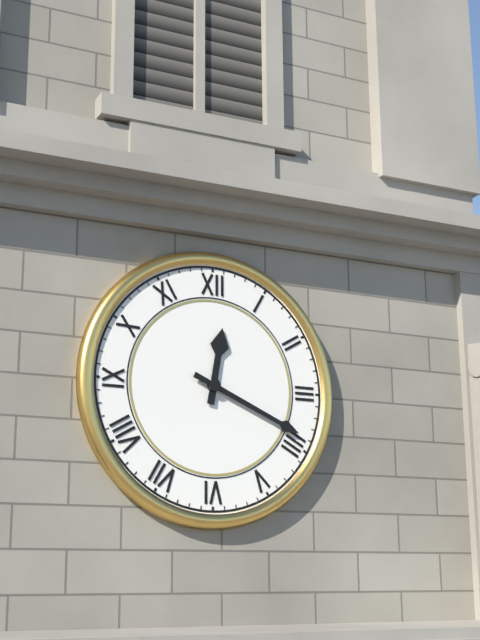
12:19
